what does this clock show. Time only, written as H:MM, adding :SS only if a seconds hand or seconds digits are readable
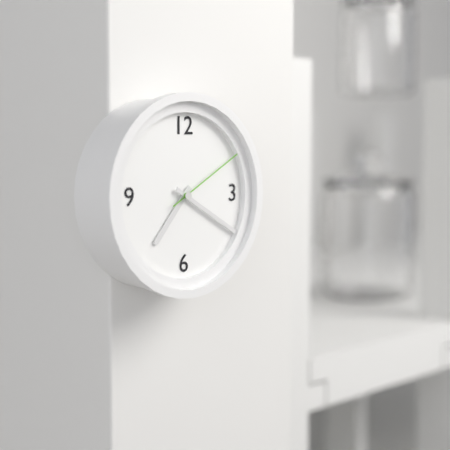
7:20:10
